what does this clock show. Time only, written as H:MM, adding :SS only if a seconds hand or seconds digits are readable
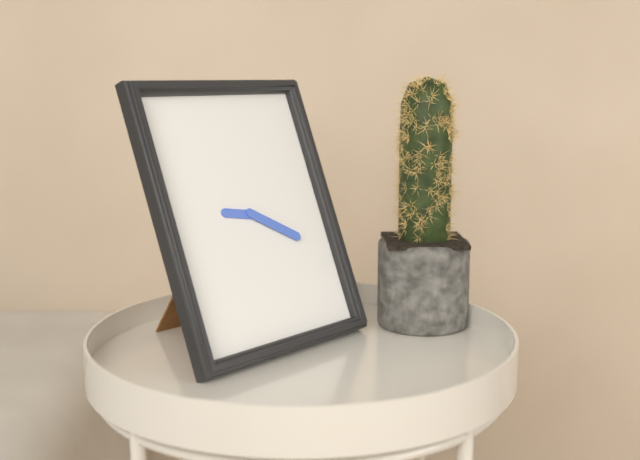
9:20
